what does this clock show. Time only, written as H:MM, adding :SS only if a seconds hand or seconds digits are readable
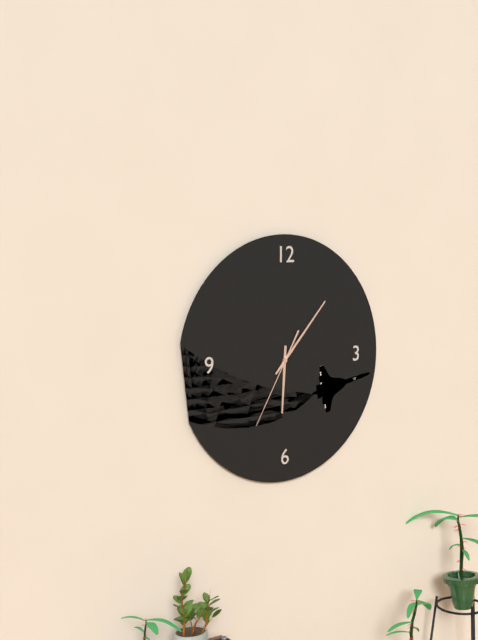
6:07:35
